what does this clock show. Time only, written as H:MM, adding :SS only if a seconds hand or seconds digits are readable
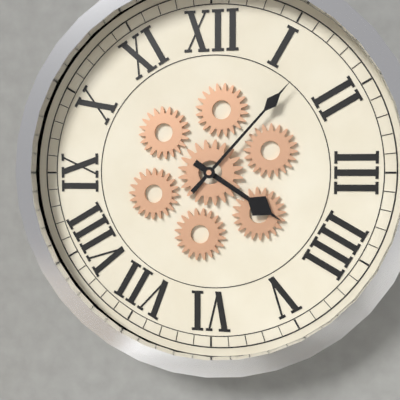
4:07
